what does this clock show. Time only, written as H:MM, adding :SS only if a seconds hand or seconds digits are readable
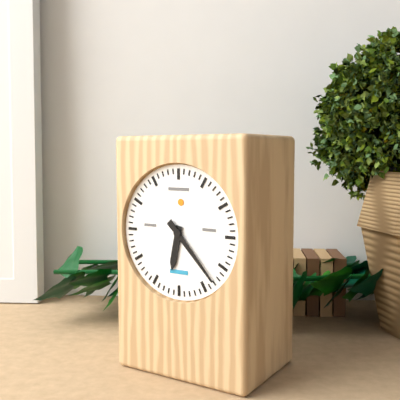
6:23
